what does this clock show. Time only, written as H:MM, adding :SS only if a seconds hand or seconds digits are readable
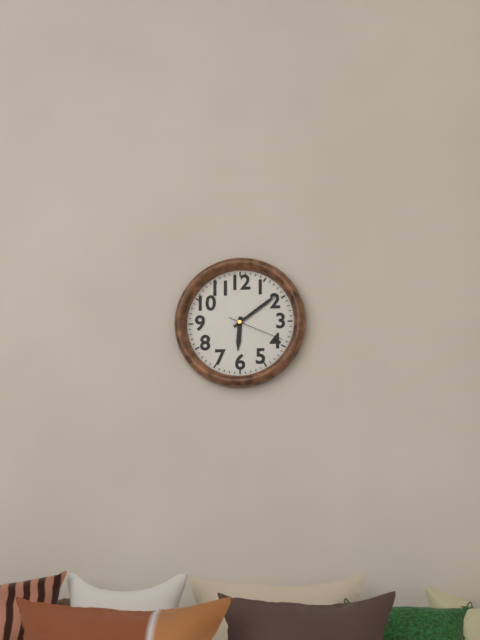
6:09:19
